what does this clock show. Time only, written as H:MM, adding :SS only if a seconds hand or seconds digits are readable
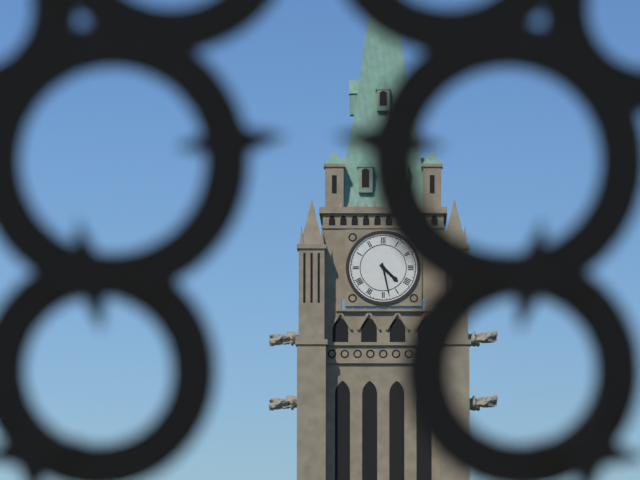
4:28
